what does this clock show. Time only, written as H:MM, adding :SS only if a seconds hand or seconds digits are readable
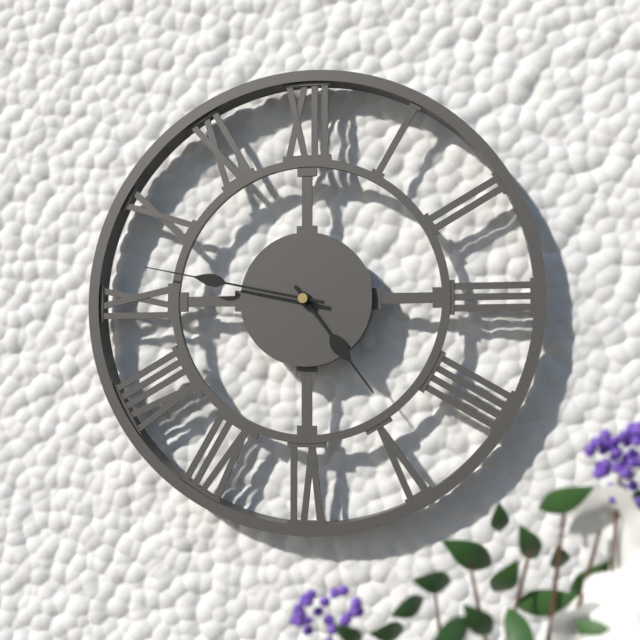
4:47
